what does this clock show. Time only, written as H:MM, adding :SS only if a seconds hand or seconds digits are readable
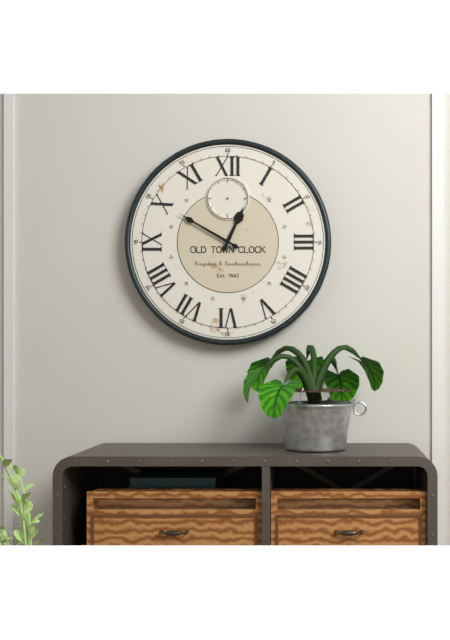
12:50
